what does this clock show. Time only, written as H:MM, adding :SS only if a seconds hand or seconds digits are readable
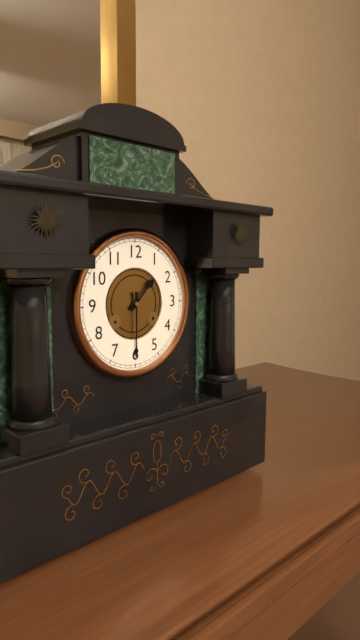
1:30
